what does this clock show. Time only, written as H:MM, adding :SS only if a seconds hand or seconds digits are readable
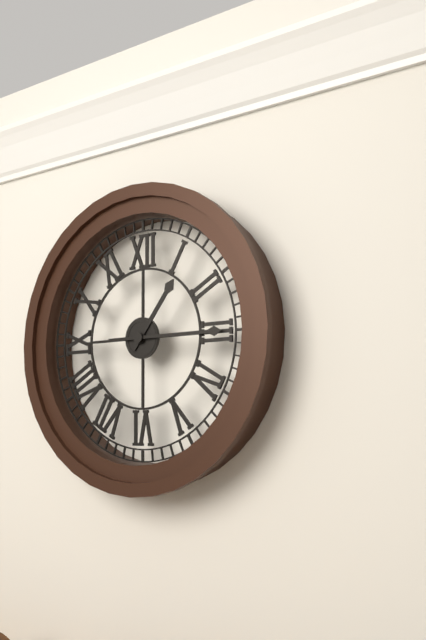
1:15
